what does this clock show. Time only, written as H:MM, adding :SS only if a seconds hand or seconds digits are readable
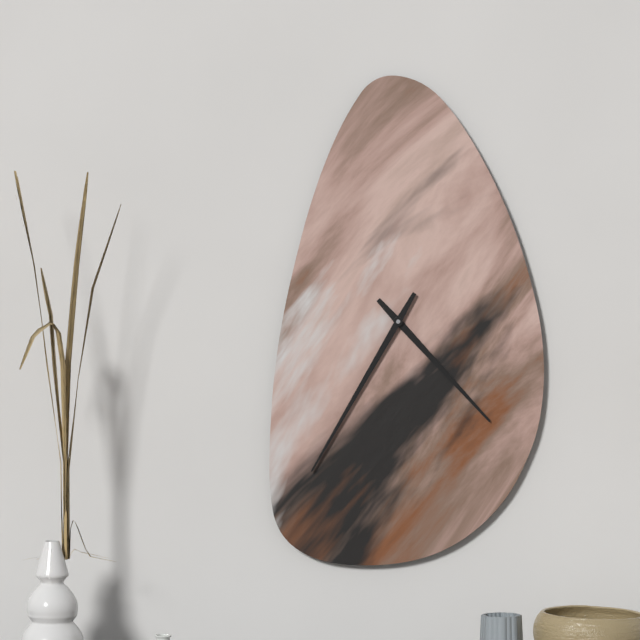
4:35
